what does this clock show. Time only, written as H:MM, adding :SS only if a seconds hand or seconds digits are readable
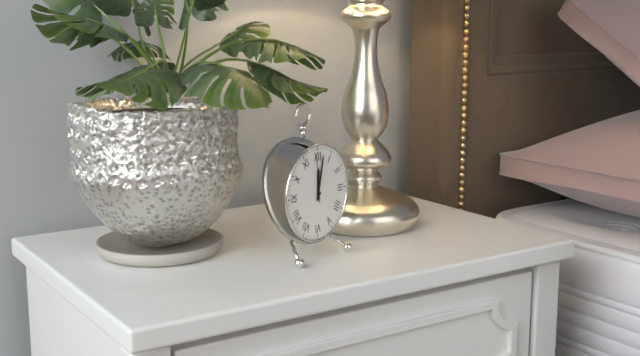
12:02:59
